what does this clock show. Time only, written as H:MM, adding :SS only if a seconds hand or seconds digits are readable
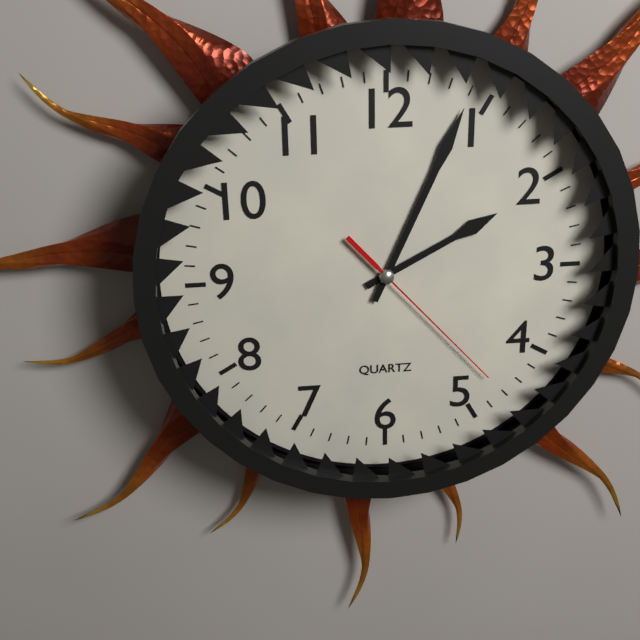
2:04:23
